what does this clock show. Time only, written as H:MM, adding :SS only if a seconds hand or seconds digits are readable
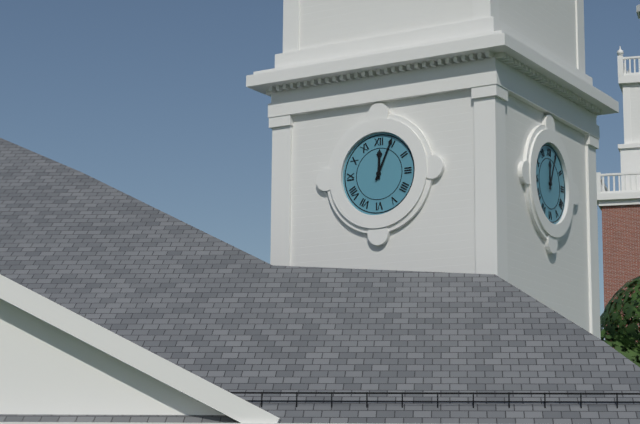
12:04
